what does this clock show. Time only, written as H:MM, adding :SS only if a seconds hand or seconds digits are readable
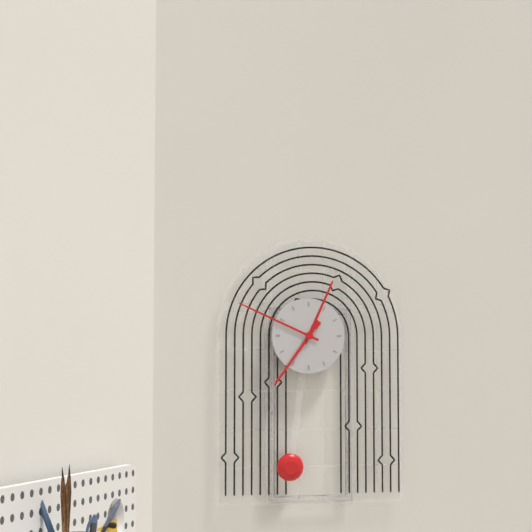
12:49:36
